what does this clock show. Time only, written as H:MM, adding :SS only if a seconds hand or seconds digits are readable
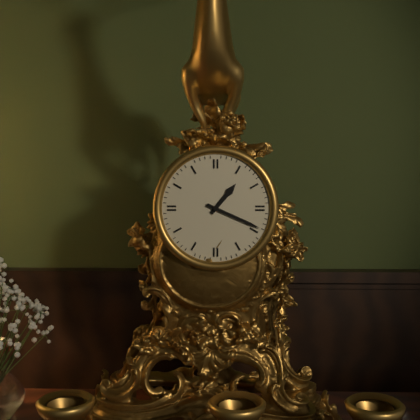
1:19
